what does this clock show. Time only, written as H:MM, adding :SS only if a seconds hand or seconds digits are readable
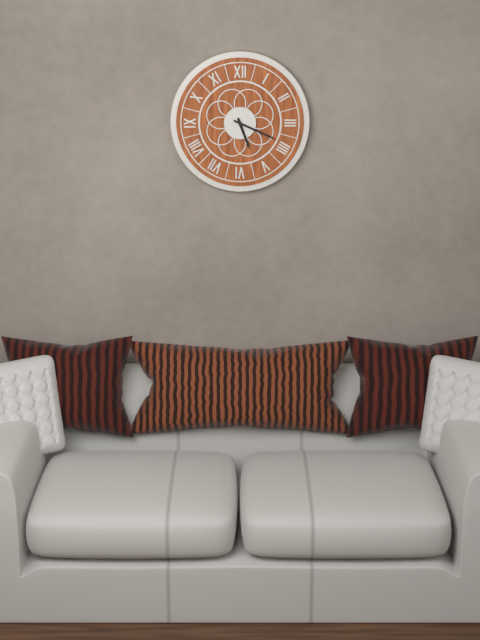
5:19
